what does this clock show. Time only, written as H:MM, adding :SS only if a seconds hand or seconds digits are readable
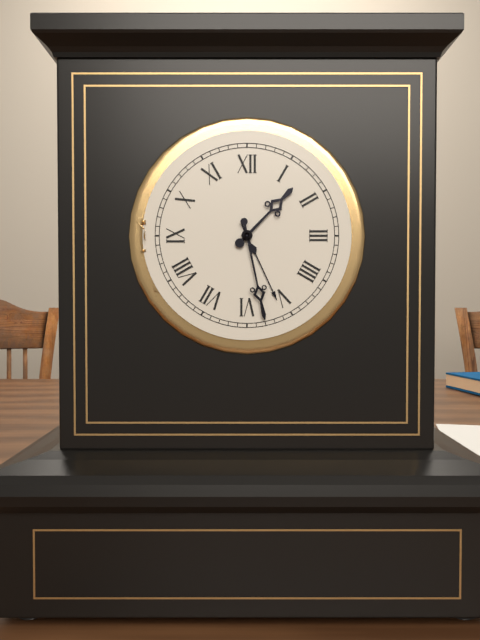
1:28
